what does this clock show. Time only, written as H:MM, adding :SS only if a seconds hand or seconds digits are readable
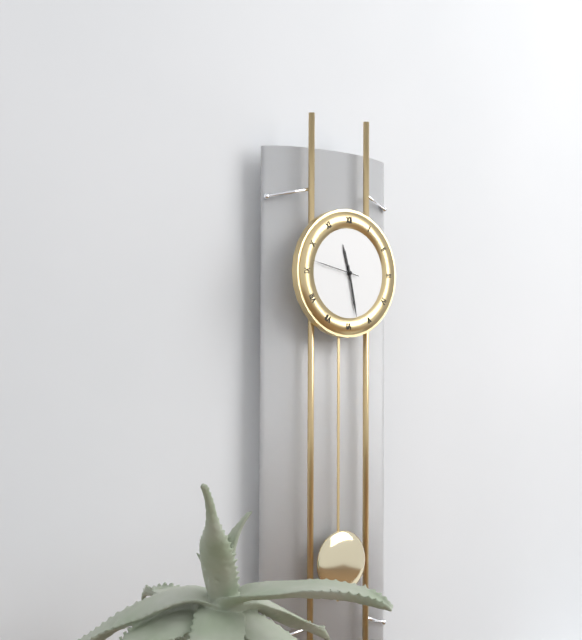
11:28
